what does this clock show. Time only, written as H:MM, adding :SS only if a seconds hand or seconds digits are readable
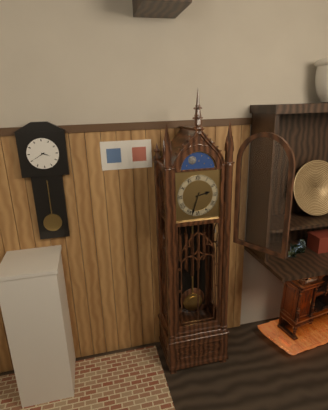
2:33
